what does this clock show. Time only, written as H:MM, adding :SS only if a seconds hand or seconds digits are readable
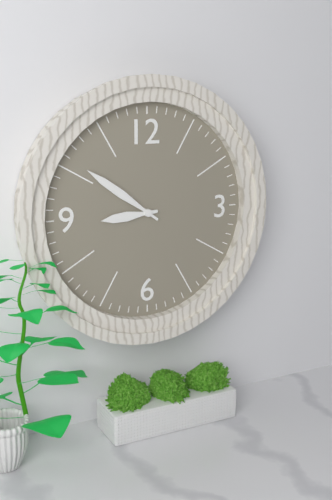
8:51
